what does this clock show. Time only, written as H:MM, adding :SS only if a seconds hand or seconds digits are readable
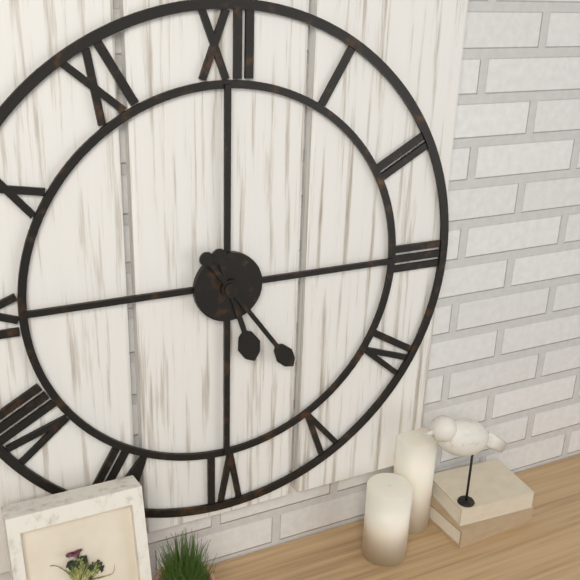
5:24
